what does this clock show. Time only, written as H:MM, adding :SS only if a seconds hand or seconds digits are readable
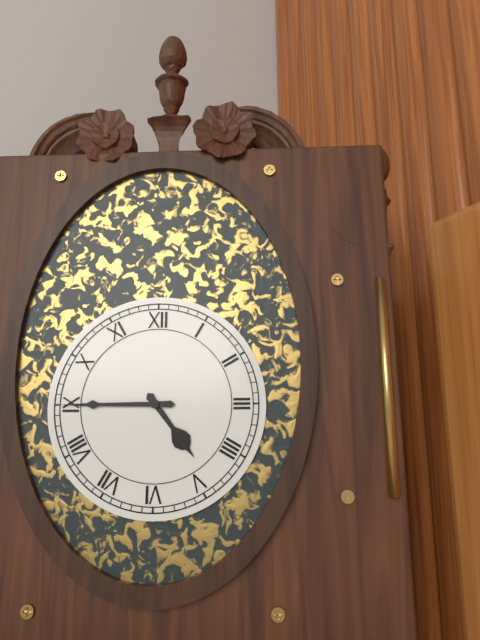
4:45
